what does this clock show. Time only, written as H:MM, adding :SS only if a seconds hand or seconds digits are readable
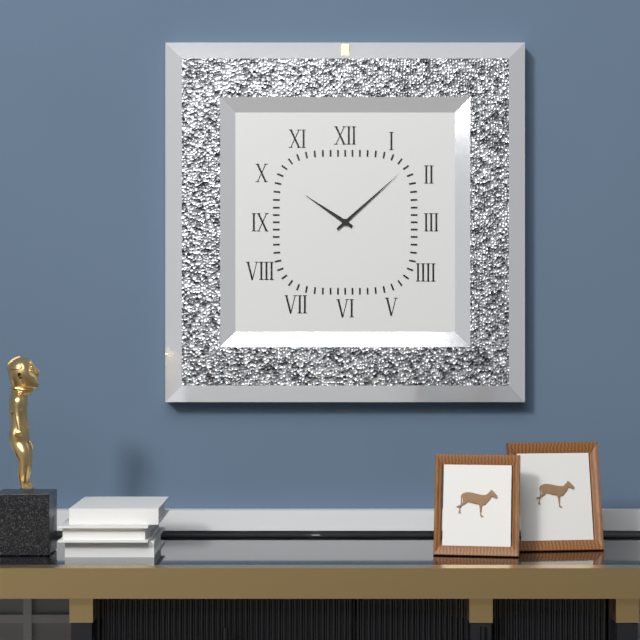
10:08
